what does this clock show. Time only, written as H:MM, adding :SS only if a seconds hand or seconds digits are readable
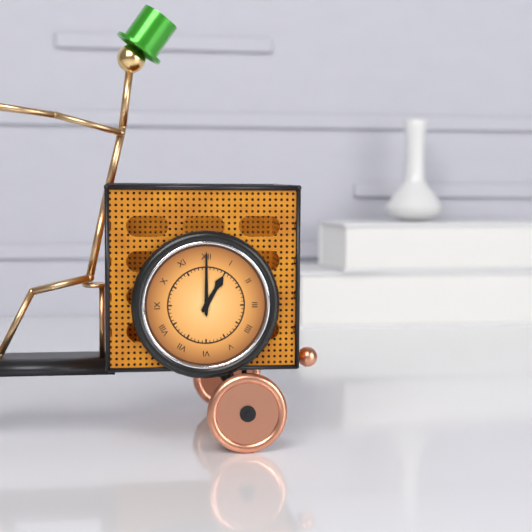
1:00
